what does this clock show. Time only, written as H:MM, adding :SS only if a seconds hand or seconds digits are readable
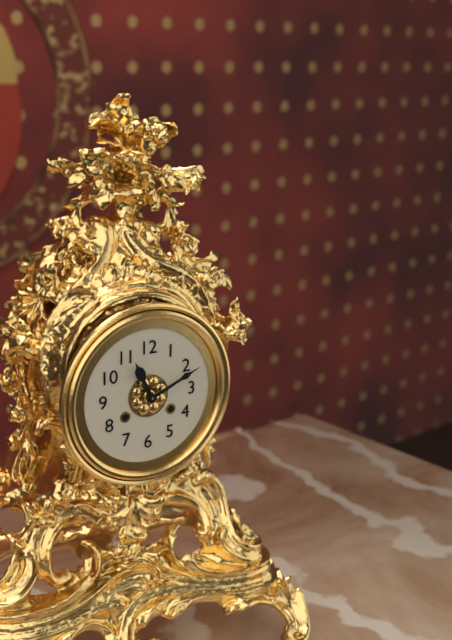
11:11
